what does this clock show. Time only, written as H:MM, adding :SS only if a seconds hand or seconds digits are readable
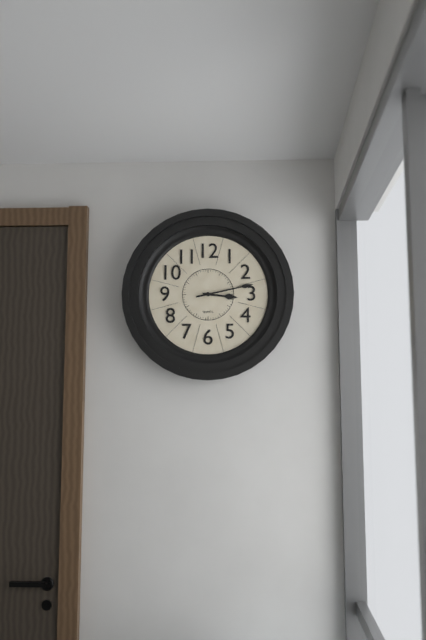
3:13
